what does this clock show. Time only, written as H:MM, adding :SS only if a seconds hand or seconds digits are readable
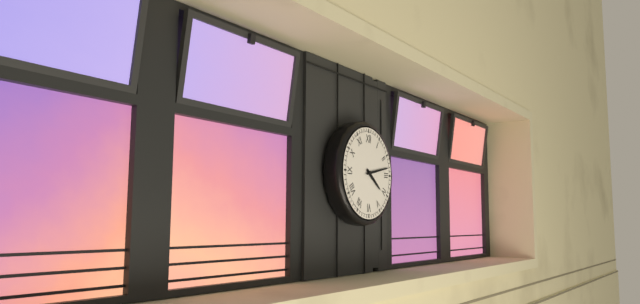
4:13
